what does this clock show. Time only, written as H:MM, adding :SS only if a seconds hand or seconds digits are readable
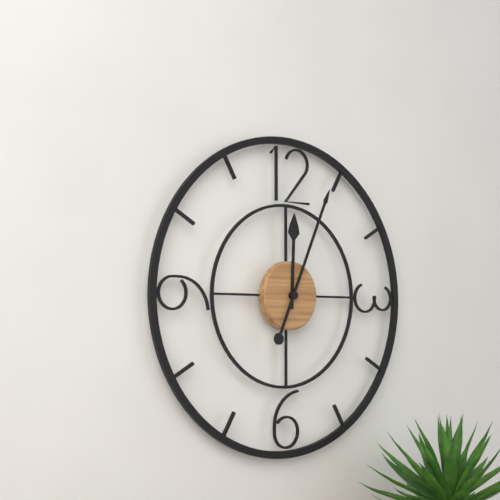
12:04
